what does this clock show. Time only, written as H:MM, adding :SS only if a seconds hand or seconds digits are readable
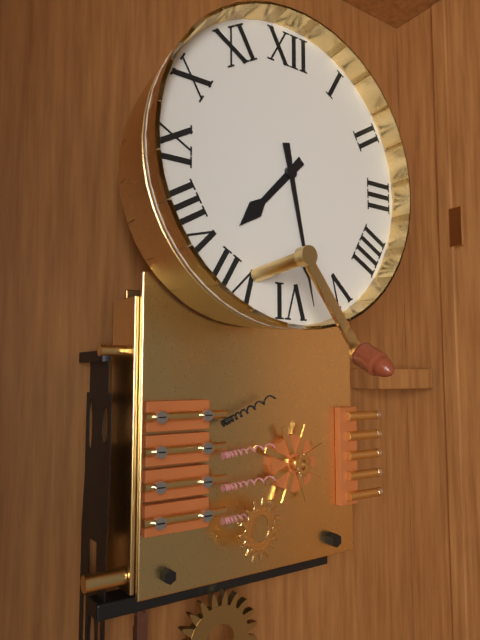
7:28
